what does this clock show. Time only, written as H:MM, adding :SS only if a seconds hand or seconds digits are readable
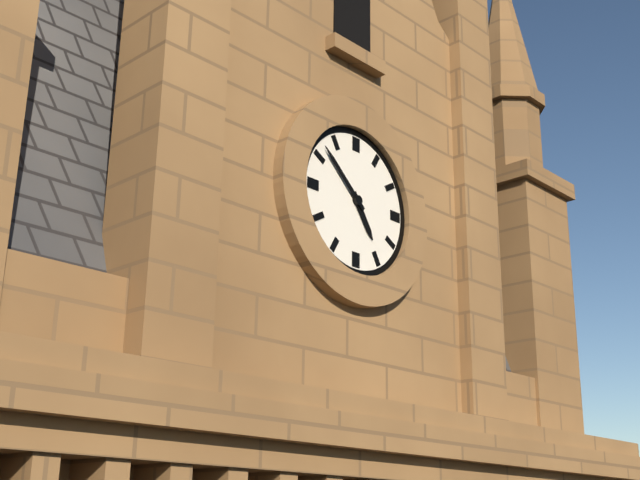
4:52
